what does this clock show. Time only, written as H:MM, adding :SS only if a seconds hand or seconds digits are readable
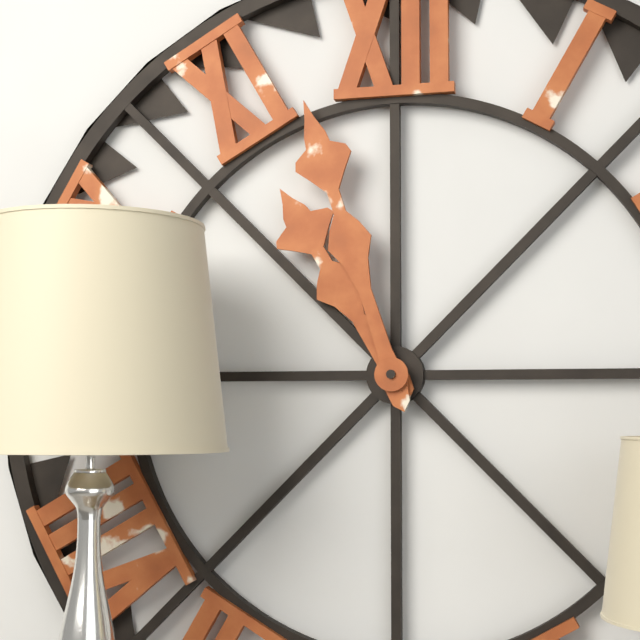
10:57
